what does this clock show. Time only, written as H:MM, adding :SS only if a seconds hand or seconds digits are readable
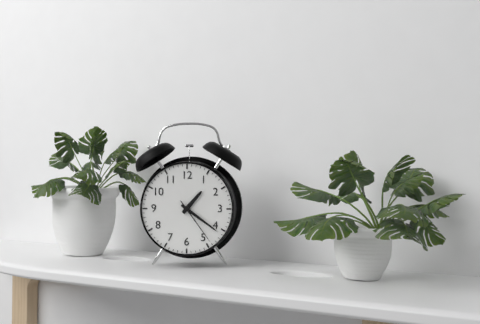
1:21:24
